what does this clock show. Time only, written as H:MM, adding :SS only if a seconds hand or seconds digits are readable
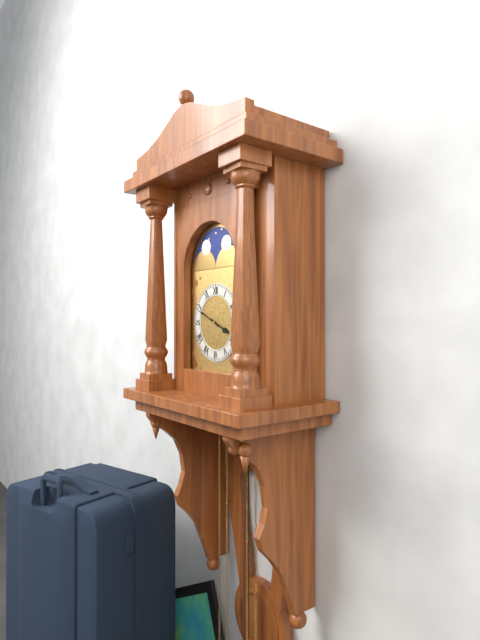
3:49
